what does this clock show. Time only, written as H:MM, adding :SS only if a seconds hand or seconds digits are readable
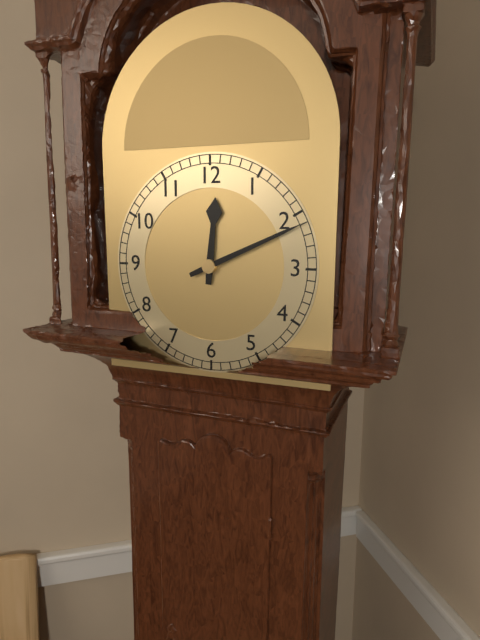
12:11
